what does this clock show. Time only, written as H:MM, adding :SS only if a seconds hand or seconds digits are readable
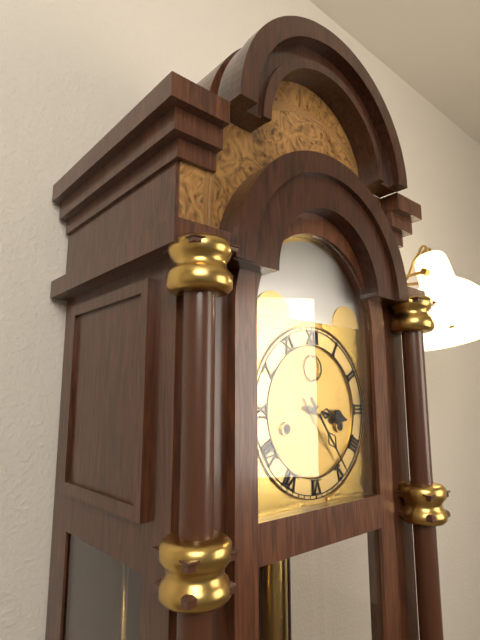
3:24
